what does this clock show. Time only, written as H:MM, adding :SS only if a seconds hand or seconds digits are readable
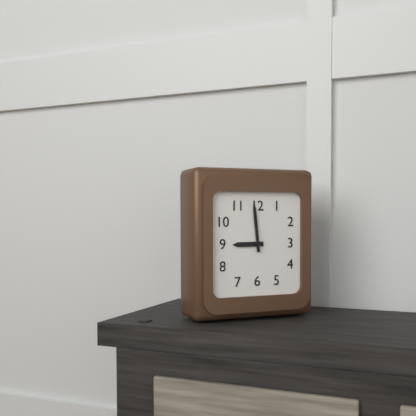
8:59
